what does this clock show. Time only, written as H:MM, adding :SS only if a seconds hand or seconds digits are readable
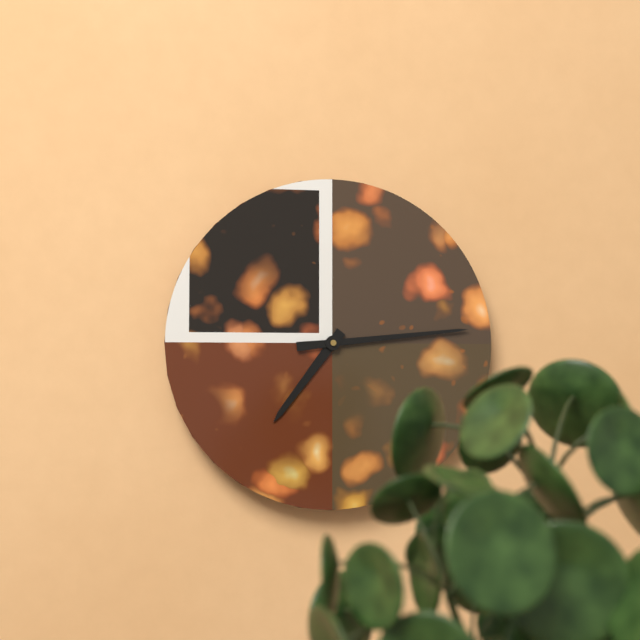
7:14
